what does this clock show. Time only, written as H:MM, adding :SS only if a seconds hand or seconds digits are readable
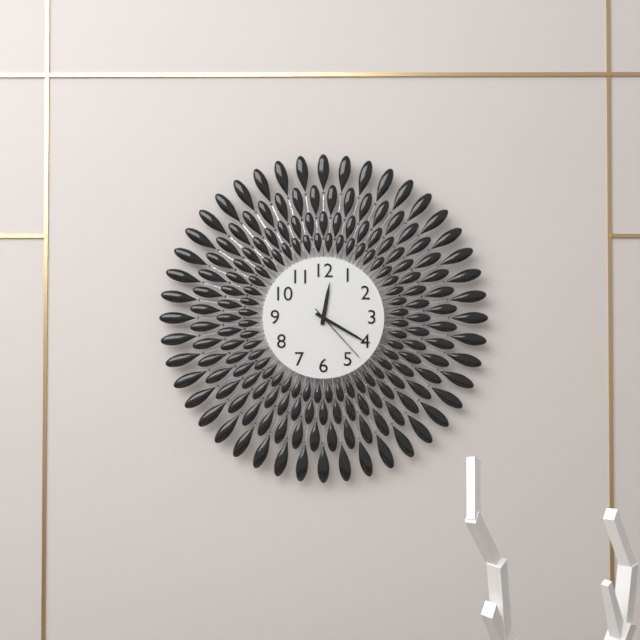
12:20:23
